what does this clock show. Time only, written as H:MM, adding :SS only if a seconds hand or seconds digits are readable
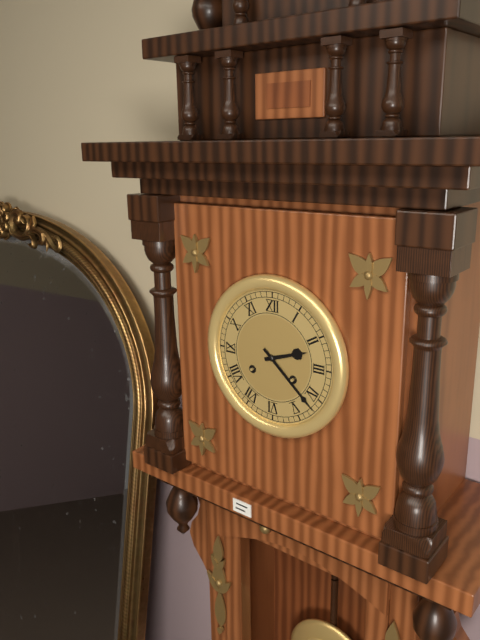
2:22
